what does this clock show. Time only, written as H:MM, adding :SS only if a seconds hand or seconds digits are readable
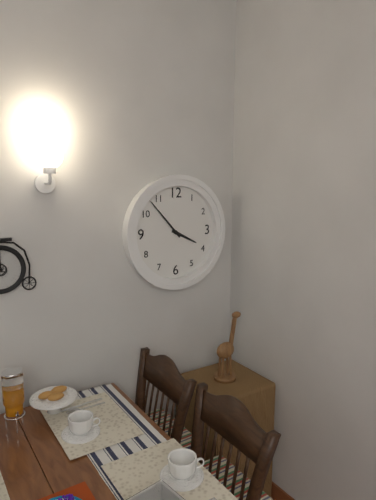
3:53
